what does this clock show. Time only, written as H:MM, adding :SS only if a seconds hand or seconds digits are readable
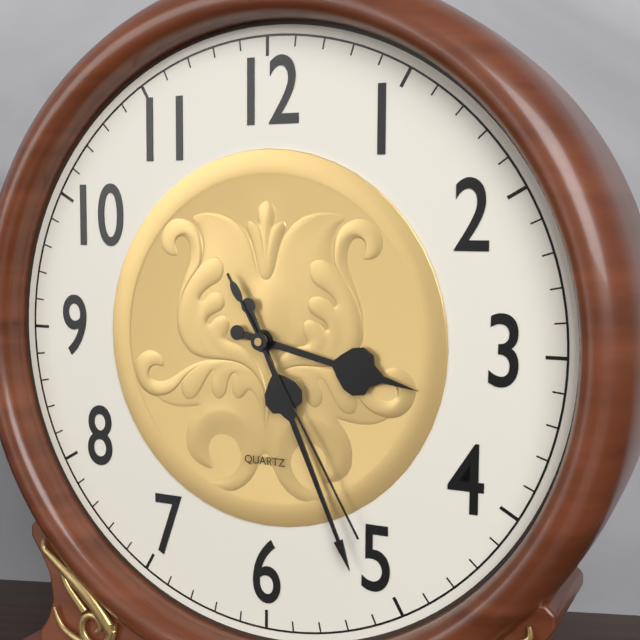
3:26:25
